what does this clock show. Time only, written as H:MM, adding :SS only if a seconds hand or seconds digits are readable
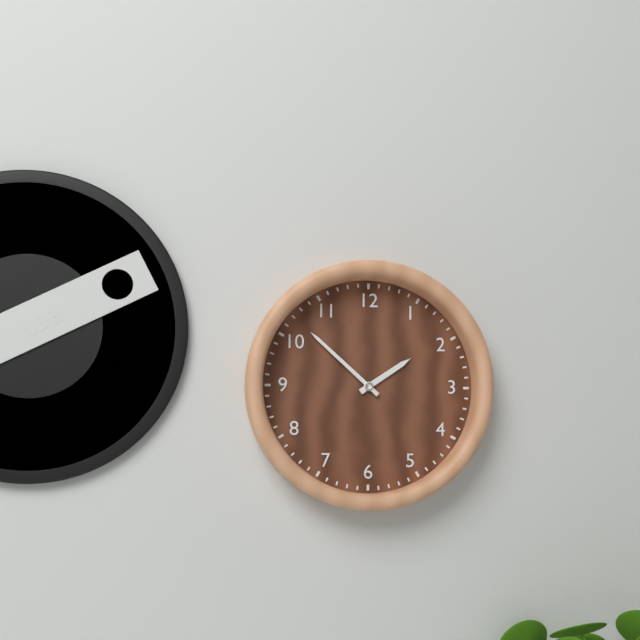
1:52
